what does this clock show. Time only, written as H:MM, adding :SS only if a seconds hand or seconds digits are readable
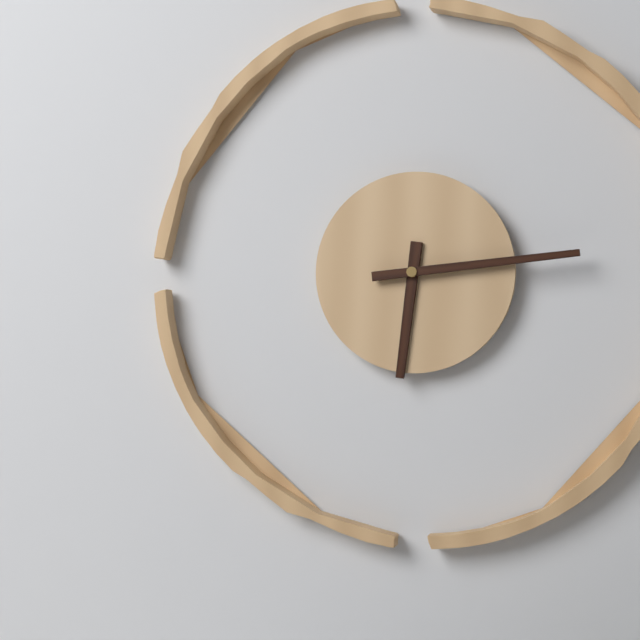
6:14
